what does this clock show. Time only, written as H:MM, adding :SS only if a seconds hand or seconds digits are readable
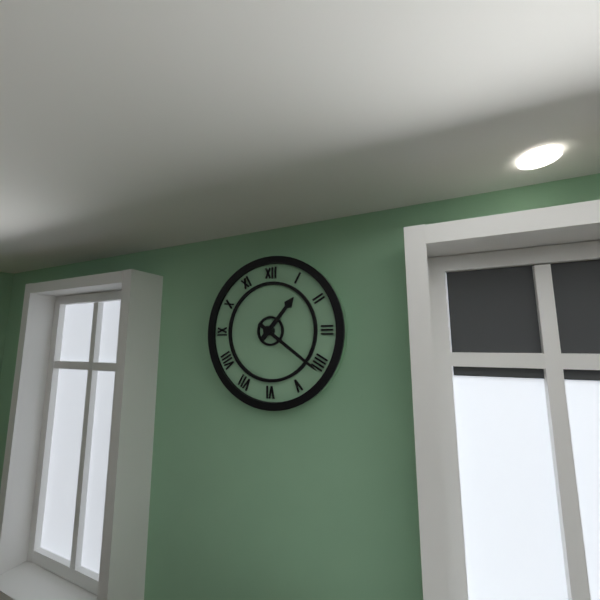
1:21
